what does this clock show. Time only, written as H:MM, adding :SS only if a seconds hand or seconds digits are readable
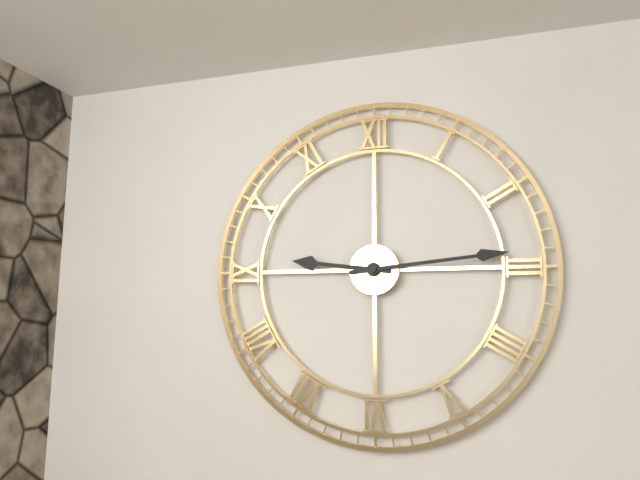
9:14
